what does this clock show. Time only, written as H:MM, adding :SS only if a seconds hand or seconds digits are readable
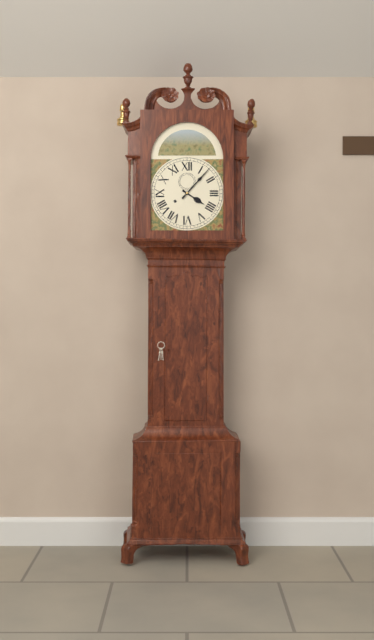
4:07
